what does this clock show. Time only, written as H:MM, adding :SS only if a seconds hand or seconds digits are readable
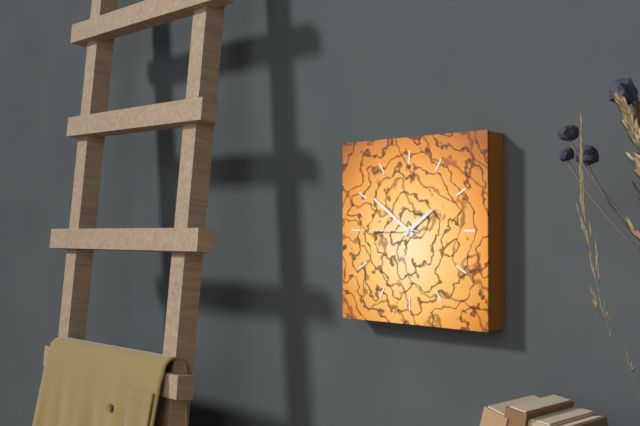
1:51
